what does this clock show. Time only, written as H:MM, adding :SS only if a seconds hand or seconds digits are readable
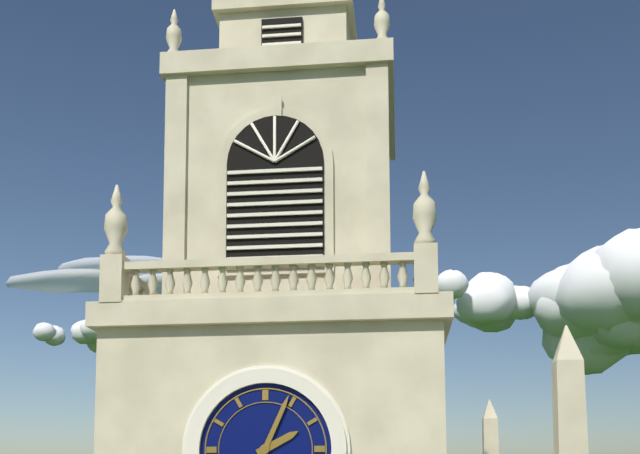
2:04
